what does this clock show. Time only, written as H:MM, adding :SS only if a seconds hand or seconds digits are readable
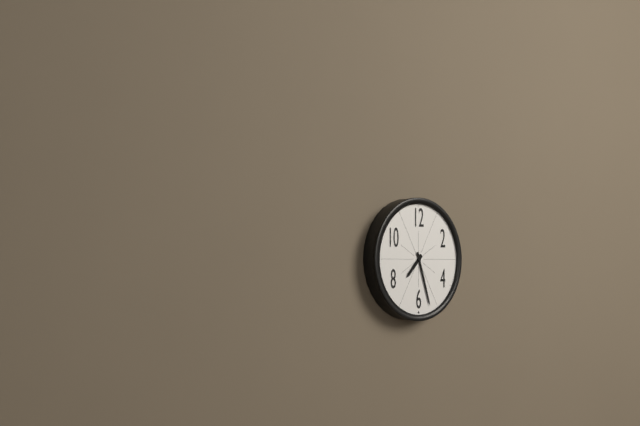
7:27
